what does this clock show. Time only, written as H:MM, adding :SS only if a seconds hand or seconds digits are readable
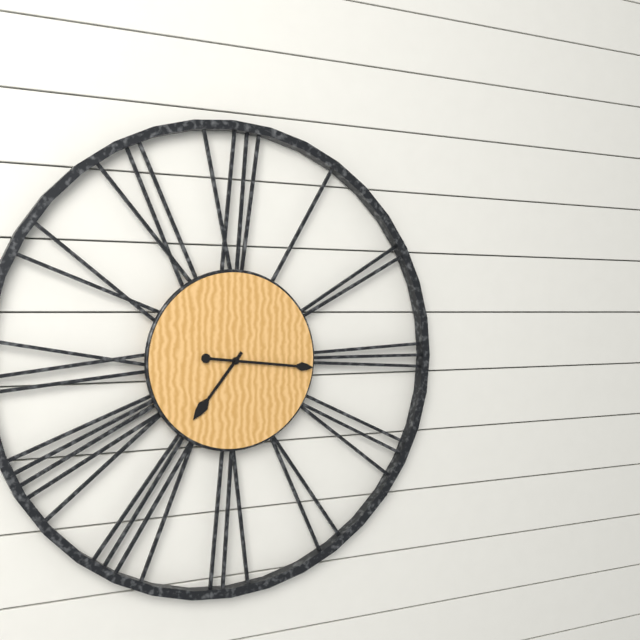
7:16
